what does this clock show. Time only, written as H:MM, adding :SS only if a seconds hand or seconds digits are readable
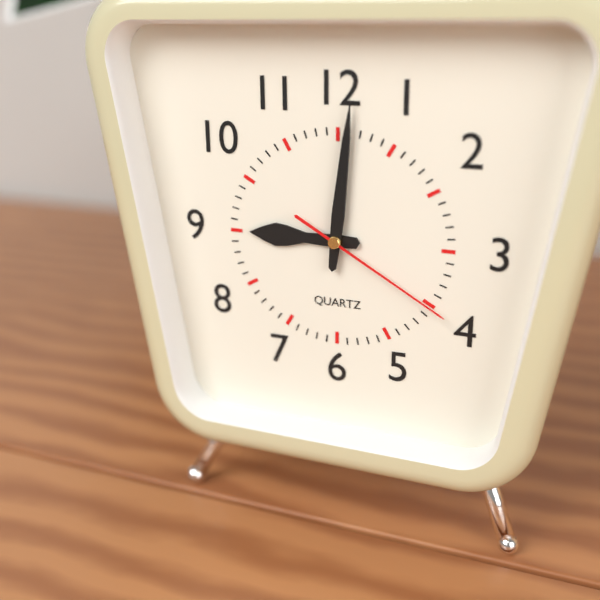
9:01:20
